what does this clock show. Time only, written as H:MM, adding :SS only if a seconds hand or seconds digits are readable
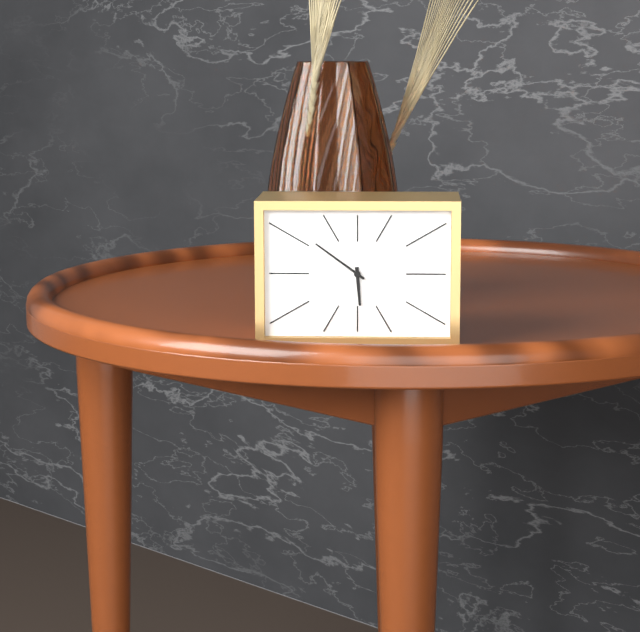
5:51
